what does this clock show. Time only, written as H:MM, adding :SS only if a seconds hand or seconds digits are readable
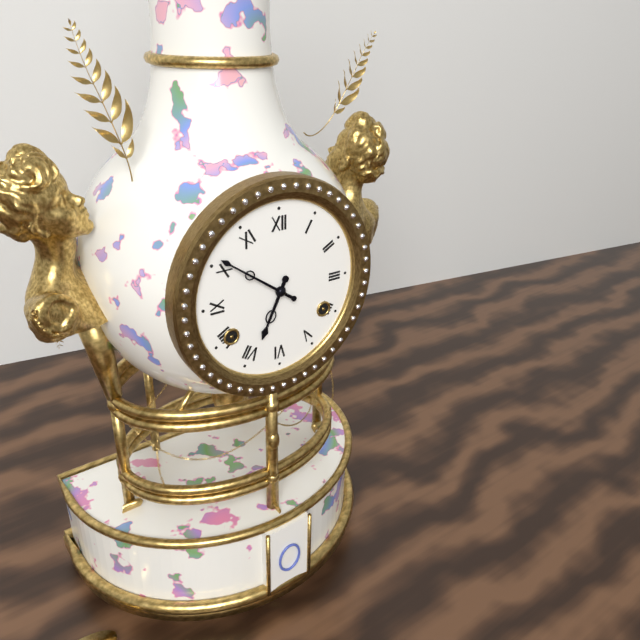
6:51
